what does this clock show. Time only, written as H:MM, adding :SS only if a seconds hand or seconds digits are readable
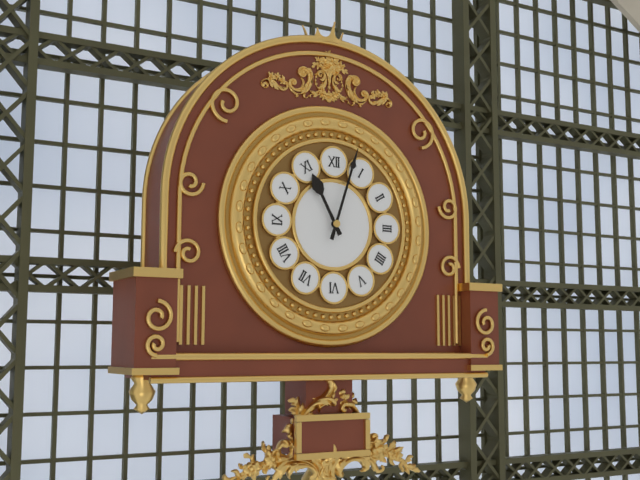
11:03
